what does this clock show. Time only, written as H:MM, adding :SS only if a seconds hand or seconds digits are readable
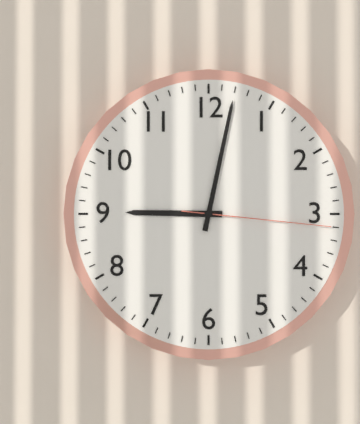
9:02:16
